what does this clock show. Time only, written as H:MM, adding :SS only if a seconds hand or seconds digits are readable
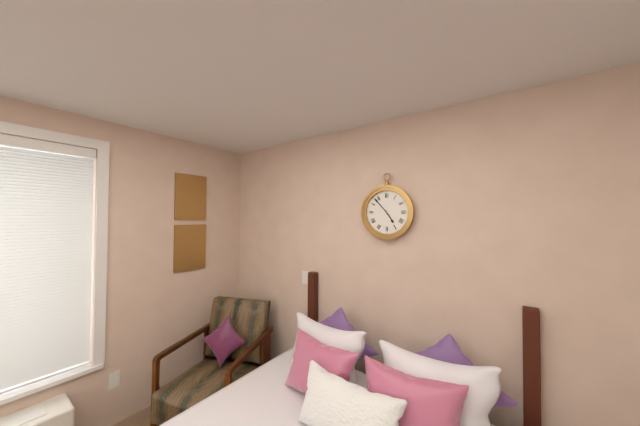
4:53
